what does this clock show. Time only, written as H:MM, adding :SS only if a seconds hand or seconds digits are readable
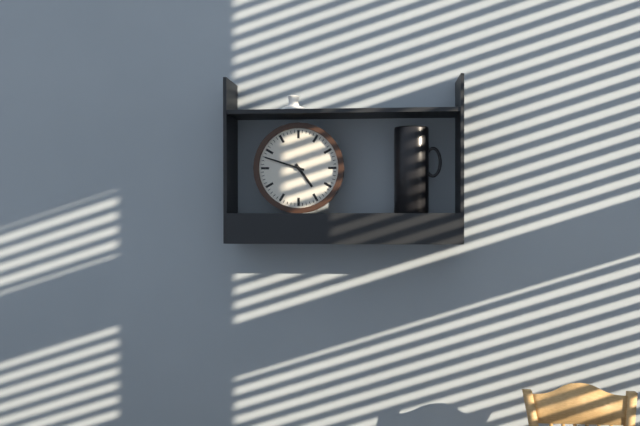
4:48
